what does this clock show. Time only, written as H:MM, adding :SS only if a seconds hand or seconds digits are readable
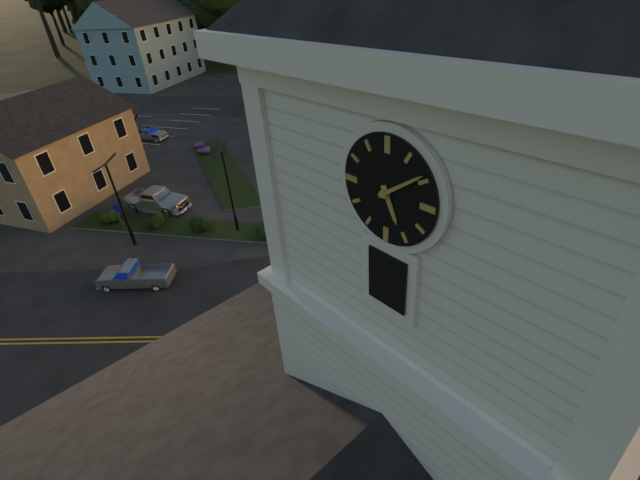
5:09
